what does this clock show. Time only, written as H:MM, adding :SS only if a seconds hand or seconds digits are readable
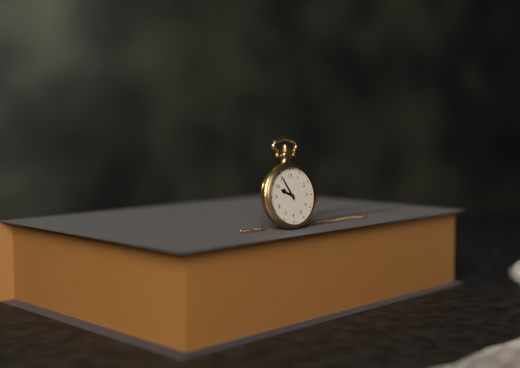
9:55
